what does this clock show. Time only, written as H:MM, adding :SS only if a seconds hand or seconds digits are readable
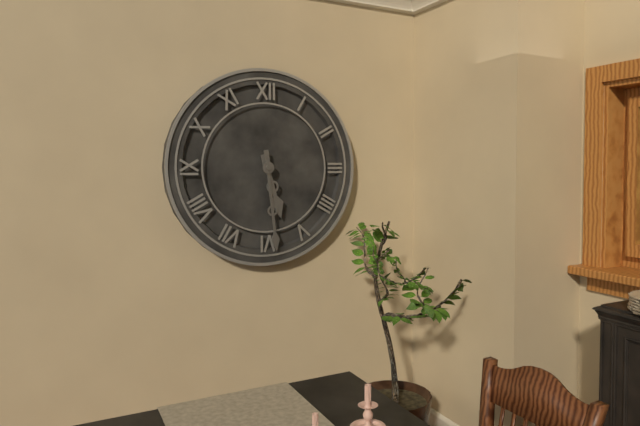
5:29
